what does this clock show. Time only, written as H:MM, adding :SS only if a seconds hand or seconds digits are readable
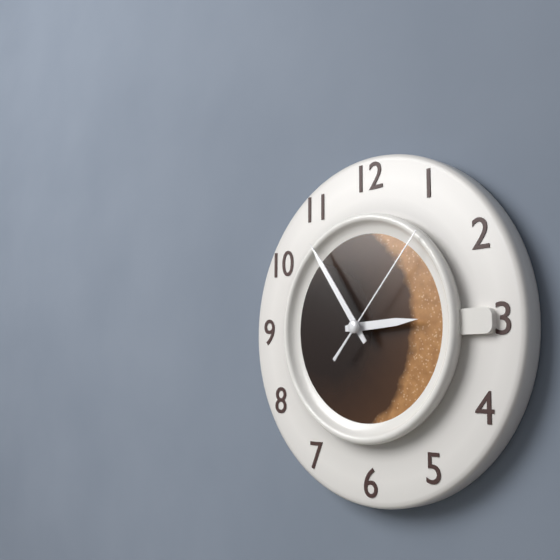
2:54:07
